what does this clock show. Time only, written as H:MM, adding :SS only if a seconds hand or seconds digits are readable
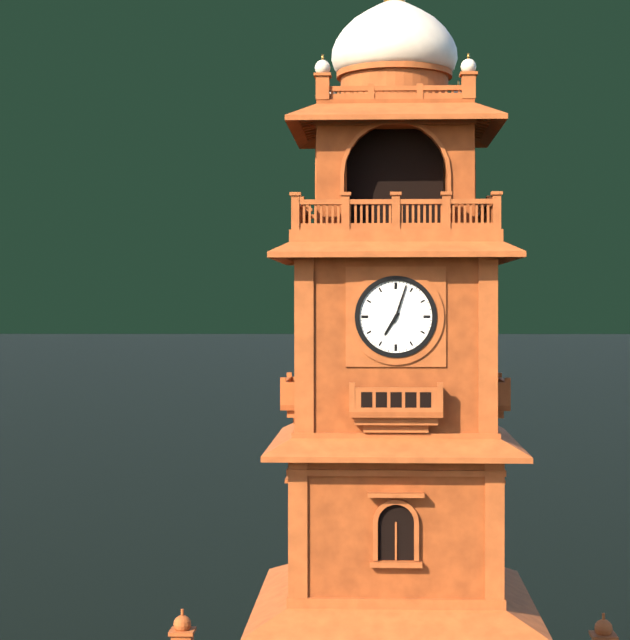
7:03
